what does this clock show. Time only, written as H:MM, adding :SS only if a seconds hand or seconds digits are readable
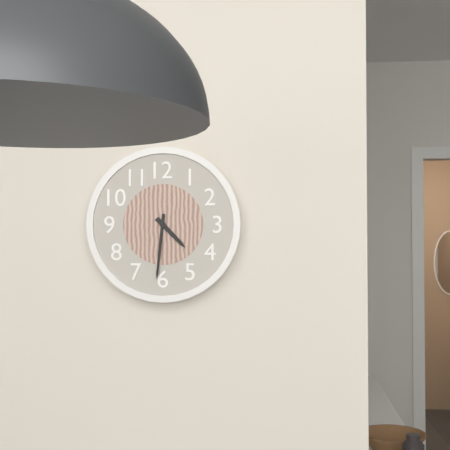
4:31
